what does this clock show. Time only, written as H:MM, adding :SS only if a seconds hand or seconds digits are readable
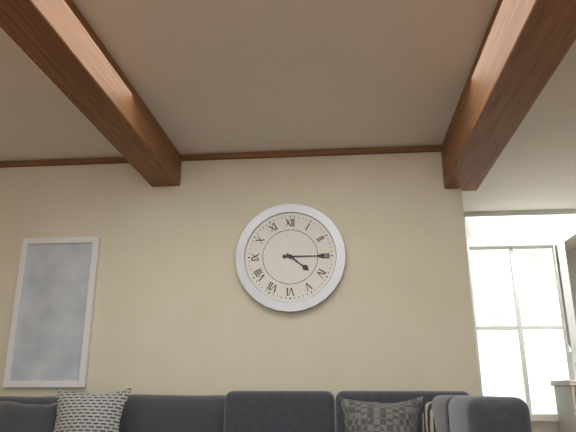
4:15
